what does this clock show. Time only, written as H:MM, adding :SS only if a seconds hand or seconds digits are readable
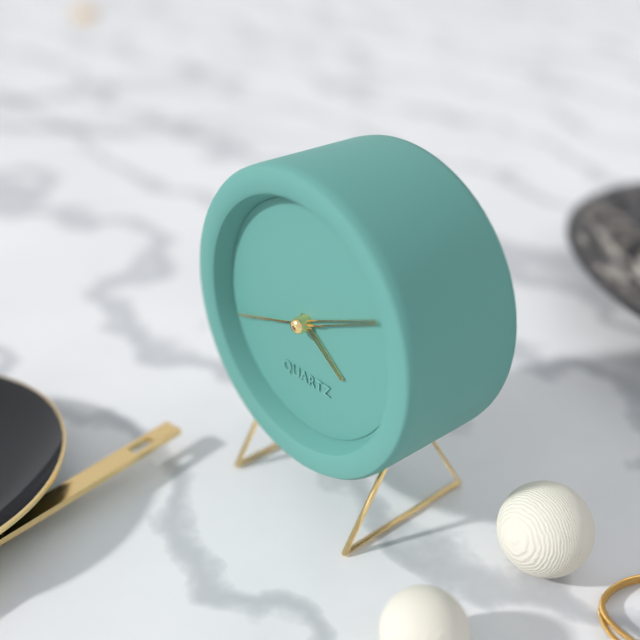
4:11:42
